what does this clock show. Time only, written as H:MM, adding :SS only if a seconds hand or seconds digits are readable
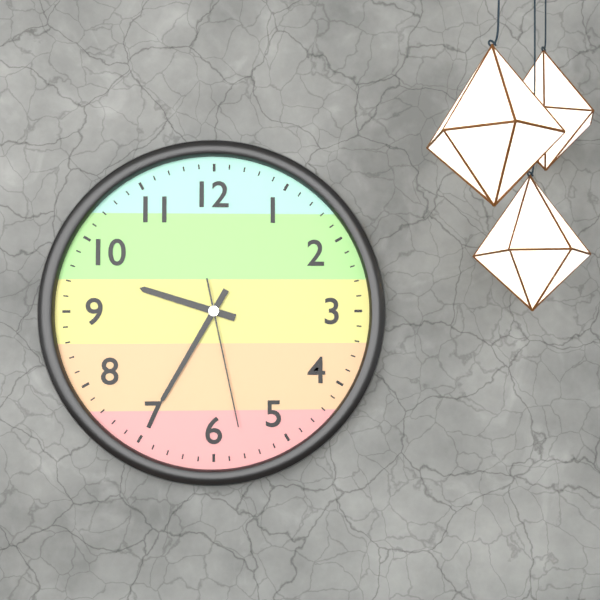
9:35:28
